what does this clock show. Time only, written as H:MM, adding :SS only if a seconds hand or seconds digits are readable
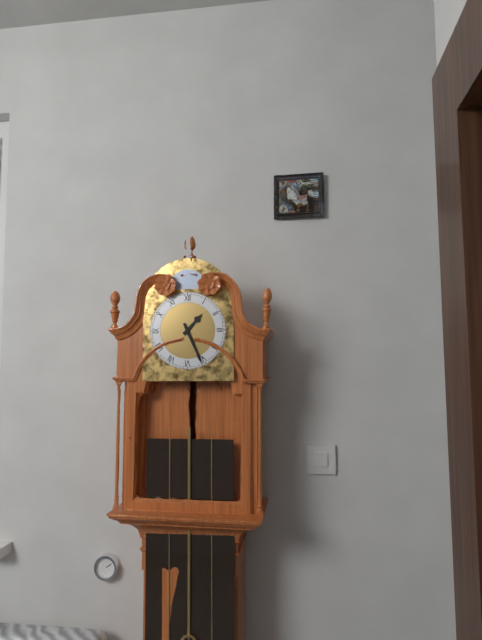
1:26
